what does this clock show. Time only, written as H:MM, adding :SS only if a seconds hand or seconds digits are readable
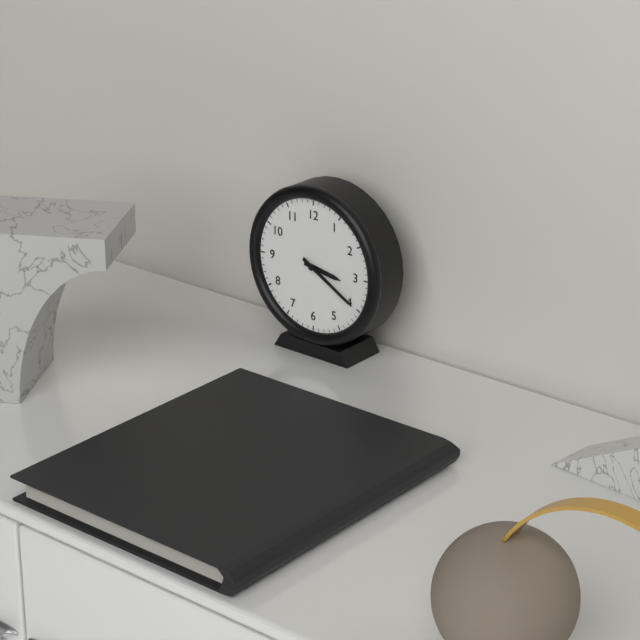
3:20
